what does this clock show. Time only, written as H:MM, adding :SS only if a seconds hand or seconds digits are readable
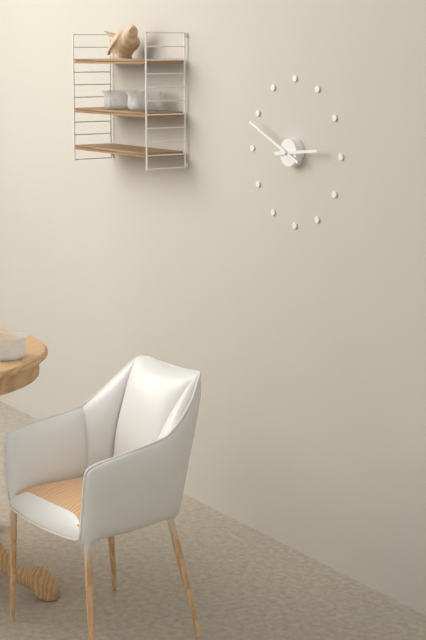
2:49
